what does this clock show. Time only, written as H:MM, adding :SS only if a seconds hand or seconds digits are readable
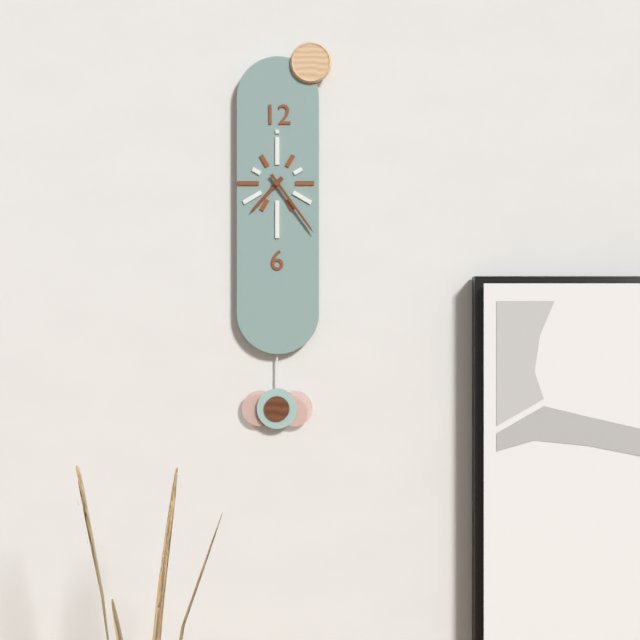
7:24
